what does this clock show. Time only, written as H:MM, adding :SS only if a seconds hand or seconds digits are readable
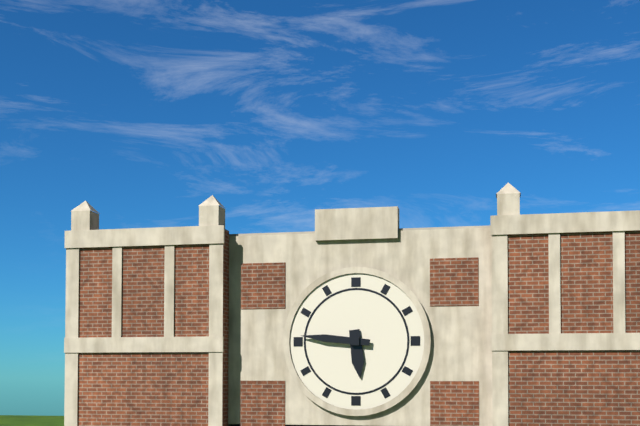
5:46
